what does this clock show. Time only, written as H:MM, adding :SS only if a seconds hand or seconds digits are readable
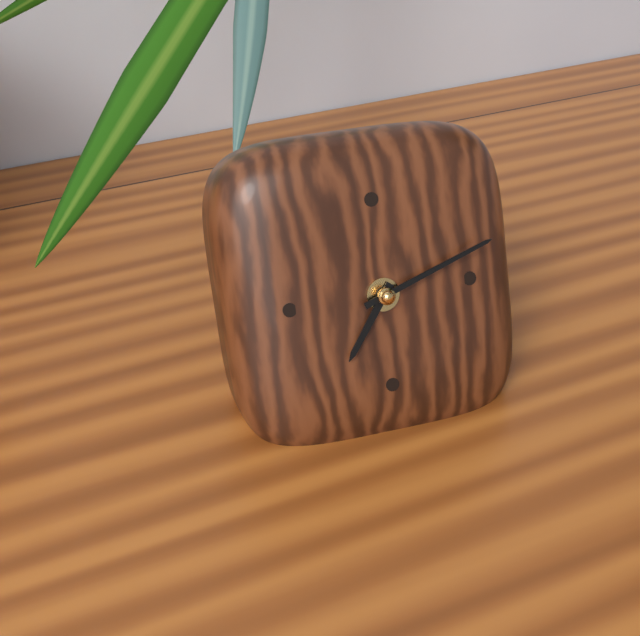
7:12
